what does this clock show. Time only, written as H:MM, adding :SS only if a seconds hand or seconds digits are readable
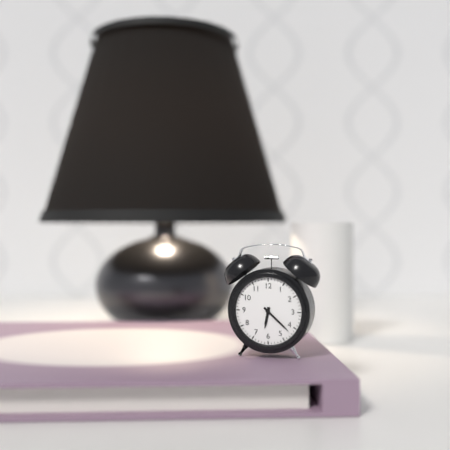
6:22
